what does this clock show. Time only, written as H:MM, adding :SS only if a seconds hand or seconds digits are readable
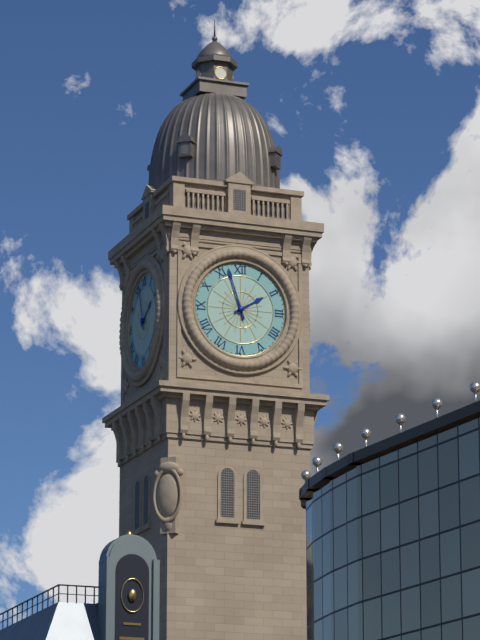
1:57
